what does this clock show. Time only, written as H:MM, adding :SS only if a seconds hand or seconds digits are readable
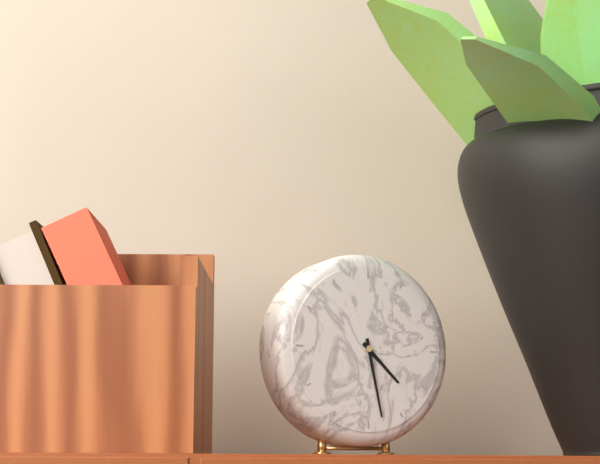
4:28
